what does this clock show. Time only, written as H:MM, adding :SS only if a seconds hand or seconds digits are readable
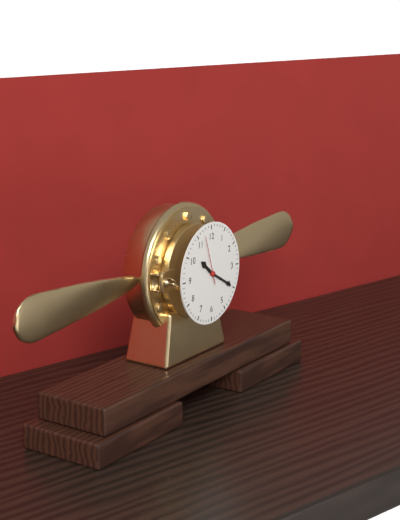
10:20
